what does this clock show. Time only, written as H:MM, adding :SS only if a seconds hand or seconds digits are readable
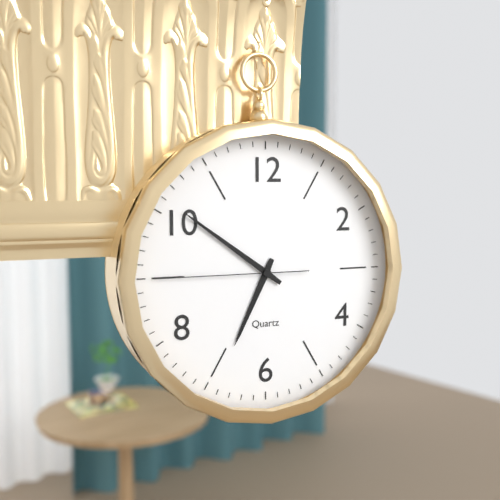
6:51:45
